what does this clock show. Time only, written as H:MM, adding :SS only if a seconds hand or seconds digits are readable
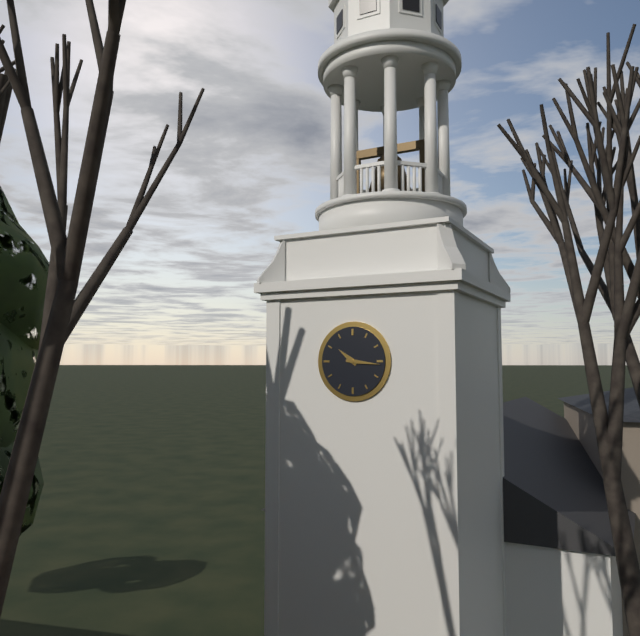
10:16
